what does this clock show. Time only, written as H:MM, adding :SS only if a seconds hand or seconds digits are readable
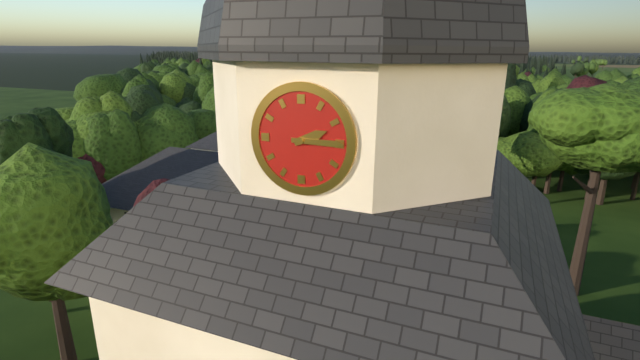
2:15
